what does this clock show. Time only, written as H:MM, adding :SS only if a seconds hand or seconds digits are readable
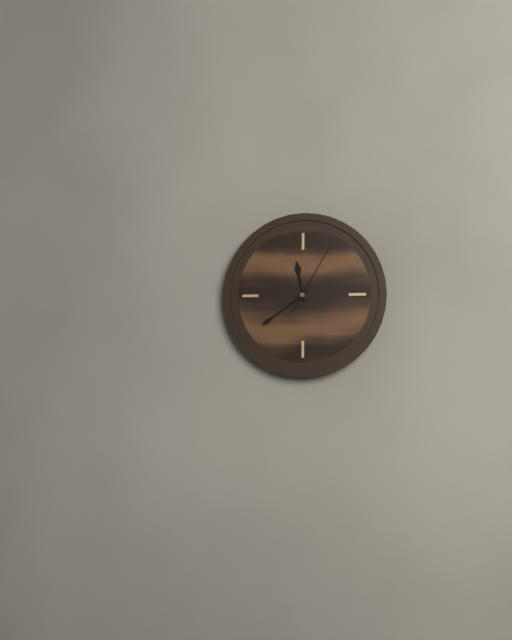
11:39:05
